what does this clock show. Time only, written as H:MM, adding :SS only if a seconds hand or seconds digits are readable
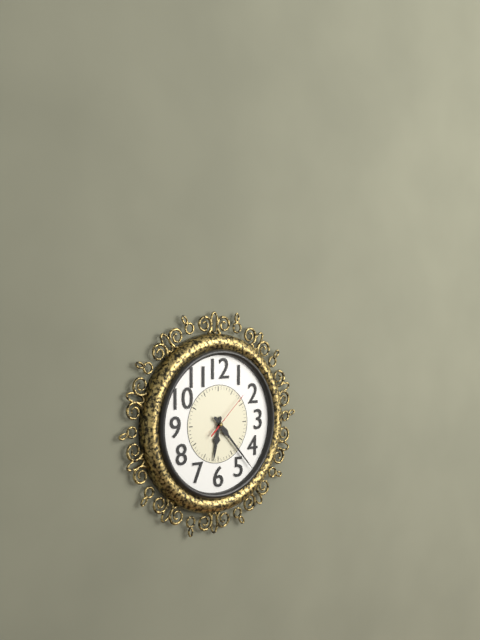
6:23
